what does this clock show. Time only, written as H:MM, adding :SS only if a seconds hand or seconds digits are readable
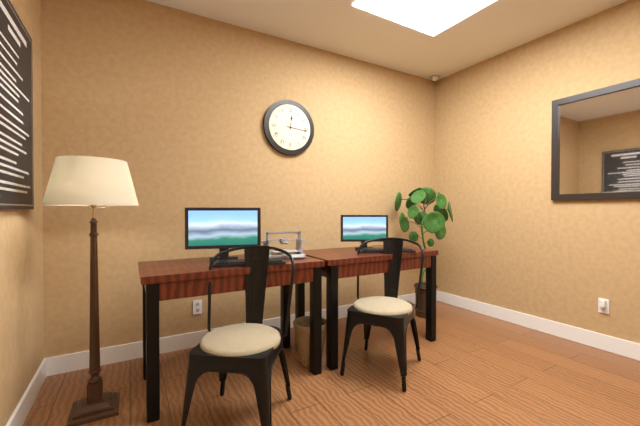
12:16
